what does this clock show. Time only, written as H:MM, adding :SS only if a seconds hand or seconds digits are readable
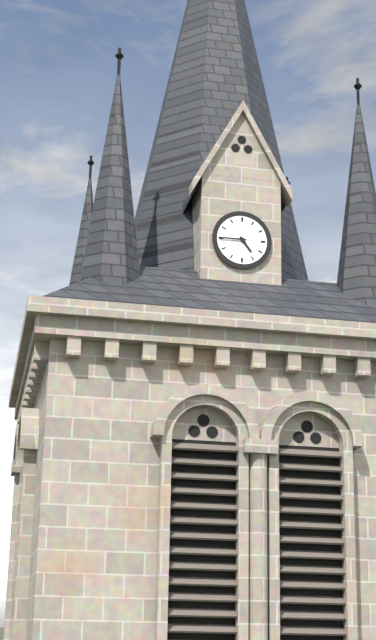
4:45
